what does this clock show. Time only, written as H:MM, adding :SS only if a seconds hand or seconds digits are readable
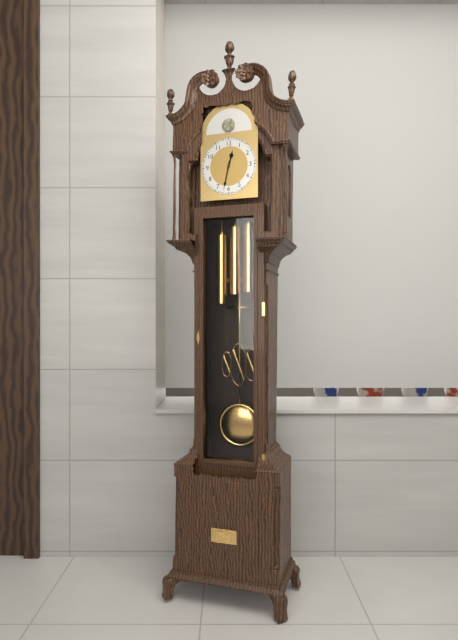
12:32
